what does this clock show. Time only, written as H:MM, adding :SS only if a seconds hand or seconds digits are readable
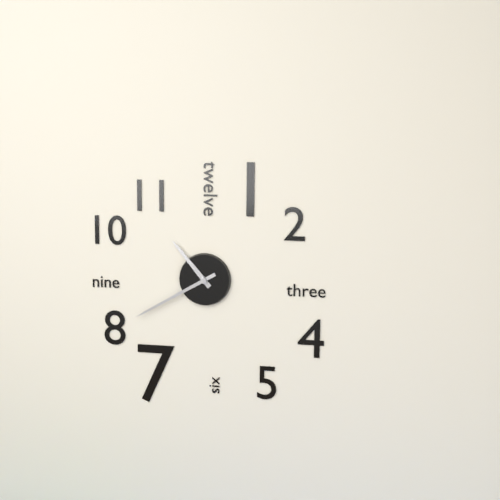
10:40
